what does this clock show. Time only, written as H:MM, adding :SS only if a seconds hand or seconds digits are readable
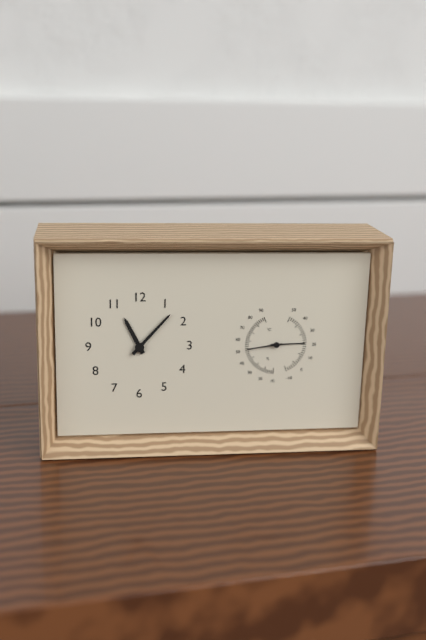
11:07
